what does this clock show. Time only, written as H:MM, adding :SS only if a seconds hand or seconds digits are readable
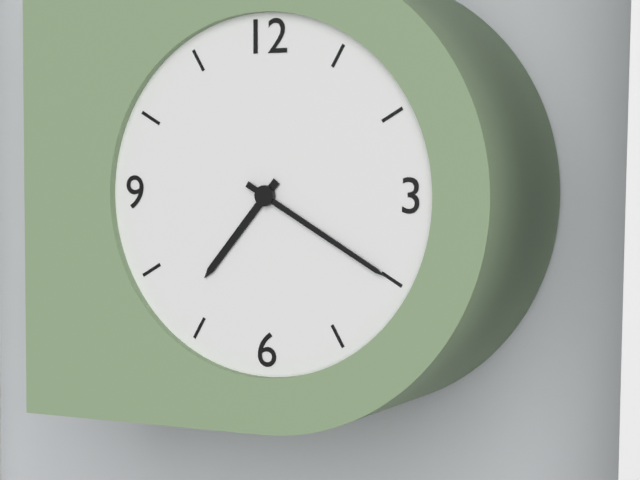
7:20
